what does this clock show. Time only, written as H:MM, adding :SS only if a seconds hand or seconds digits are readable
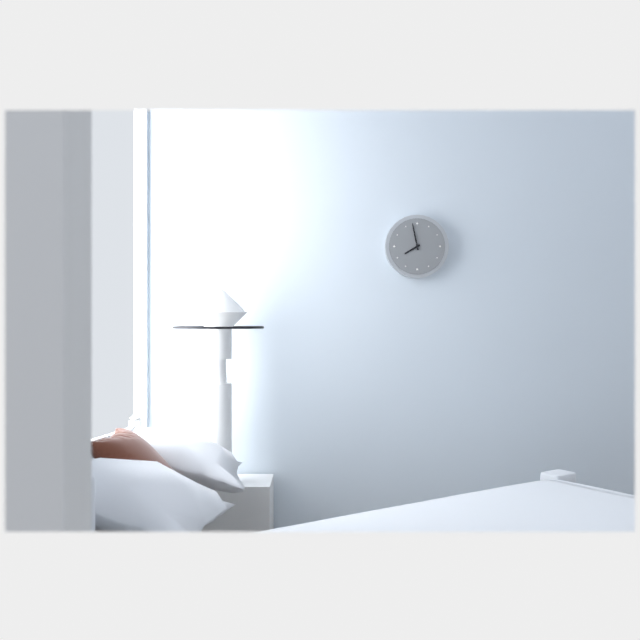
7:58
